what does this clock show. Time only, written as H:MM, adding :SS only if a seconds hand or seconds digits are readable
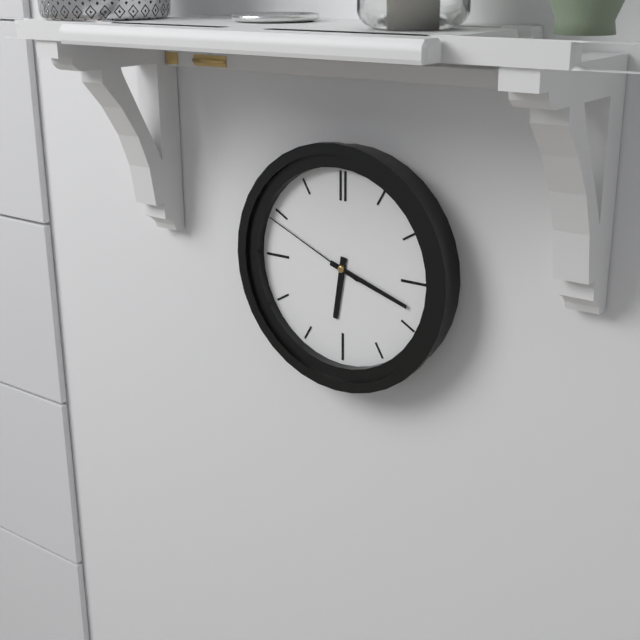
6:18:49
